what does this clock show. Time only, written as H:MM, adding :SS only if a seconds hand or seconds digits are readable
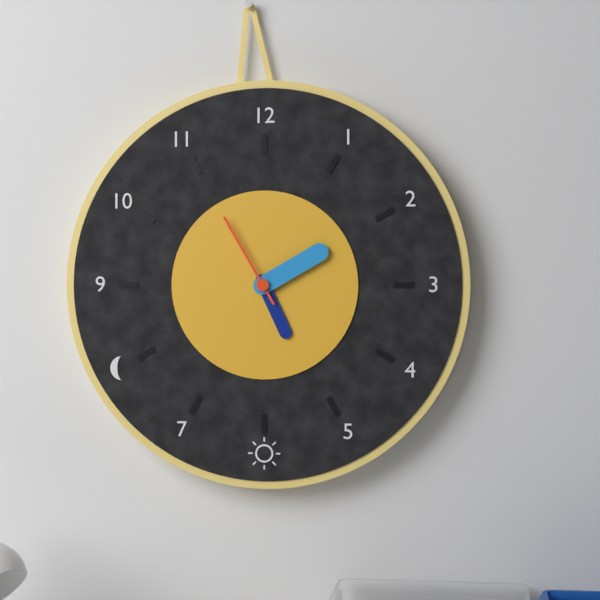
5:10:55
